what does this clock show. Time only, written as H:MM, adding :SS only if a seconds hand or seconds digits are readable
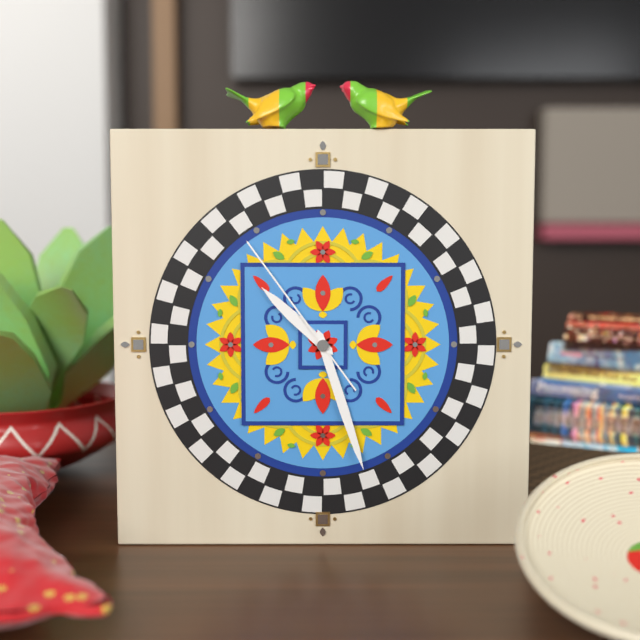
10:27:54
